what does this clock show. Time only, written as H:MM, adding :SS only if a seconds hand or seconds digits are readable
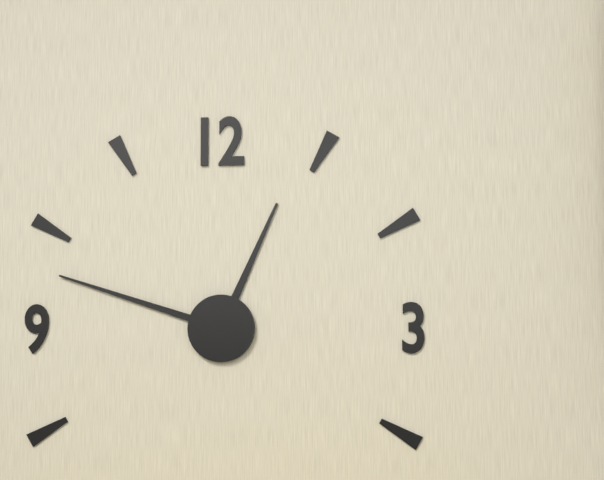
12:48
